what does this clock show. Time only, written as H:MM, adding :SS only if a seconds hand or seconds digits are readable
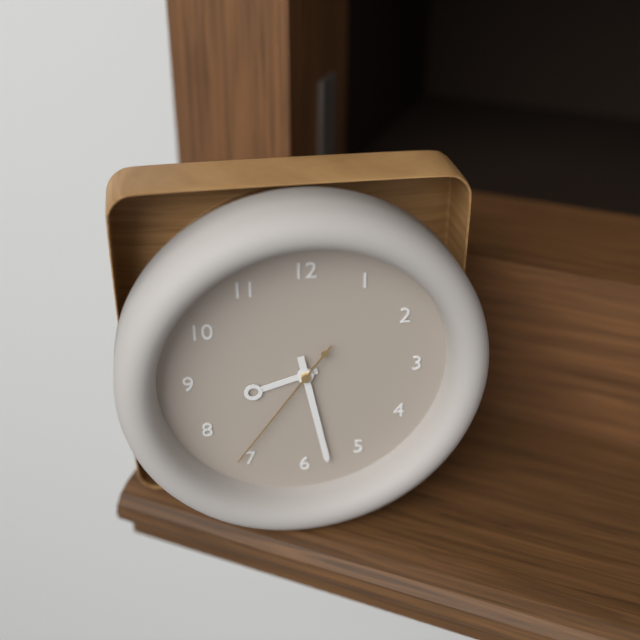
8:28:36
